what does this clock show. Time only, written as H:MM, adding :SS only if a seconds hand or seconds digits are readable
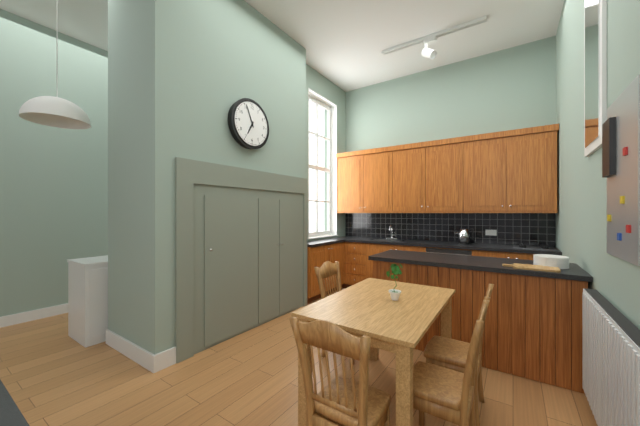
6:56
